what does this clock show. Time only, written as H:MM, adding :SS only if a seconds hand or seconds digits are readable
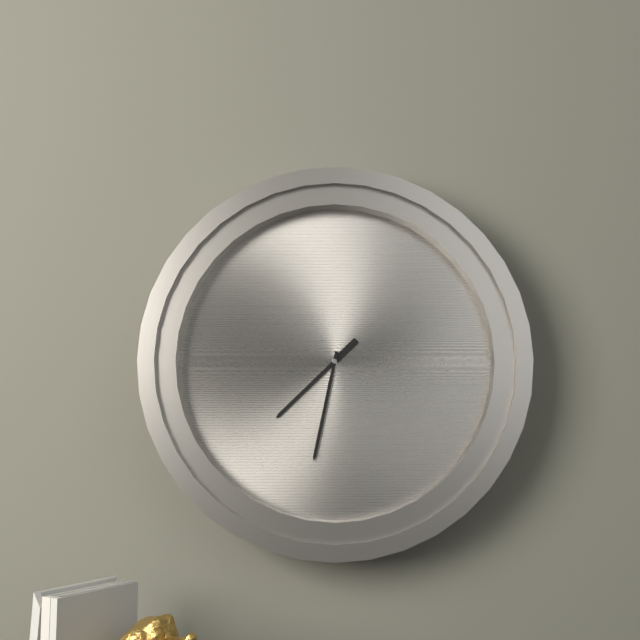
7:32
